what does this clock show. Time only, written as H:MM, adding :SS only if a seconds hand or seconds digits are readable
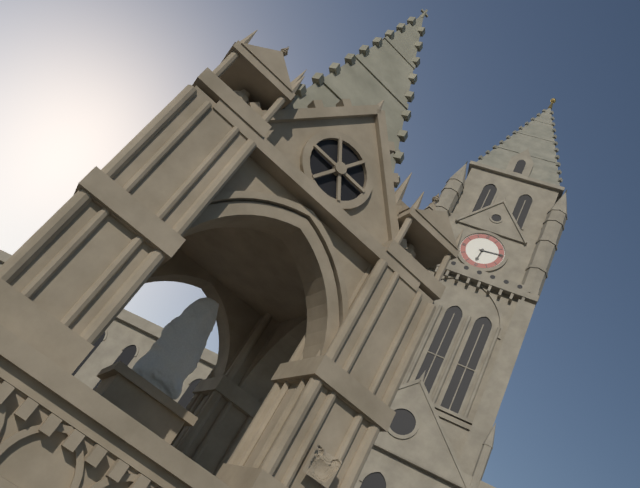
6:14
